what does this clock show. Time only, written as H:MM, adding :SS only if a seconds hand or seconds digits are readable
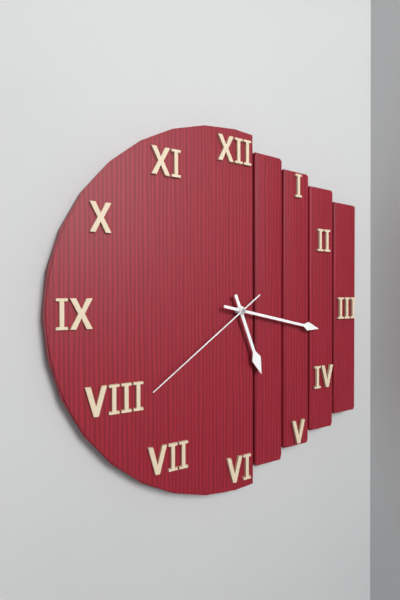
5:17:39
